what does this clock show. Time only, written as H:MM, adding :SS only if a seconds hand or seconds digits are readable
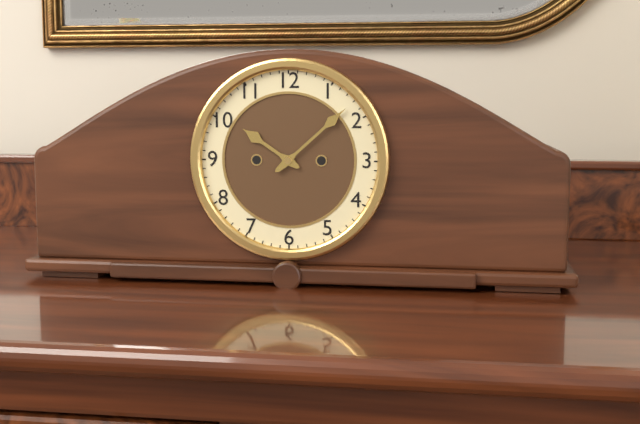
10:08
